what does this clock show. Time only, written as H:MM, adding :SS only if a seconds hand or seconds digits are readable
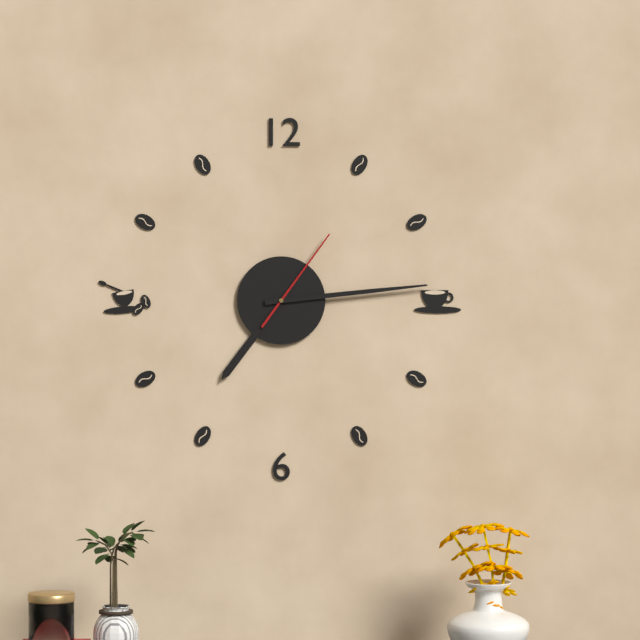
7:14:06
